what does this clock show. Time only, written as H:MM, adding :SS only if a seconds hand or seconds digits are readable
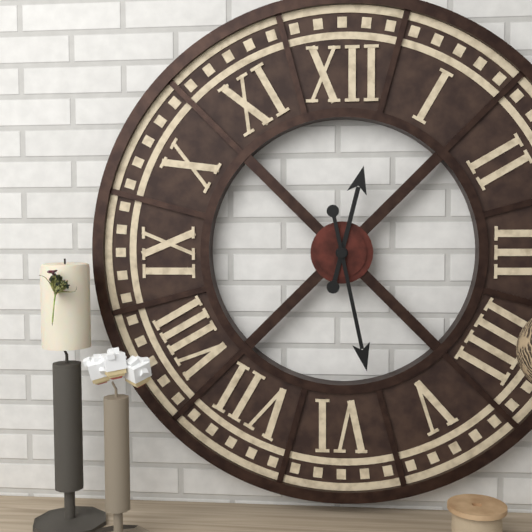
12:28
